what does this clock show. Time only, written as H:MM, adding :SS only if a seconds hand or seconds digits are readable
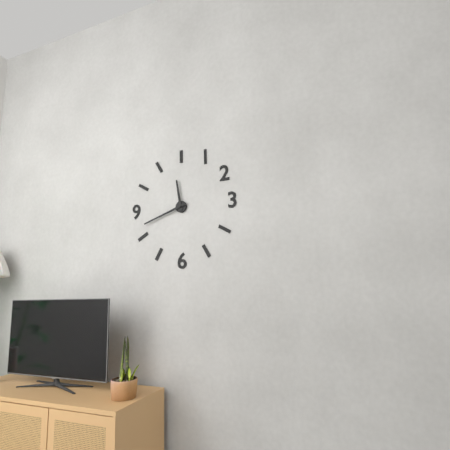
11:42
